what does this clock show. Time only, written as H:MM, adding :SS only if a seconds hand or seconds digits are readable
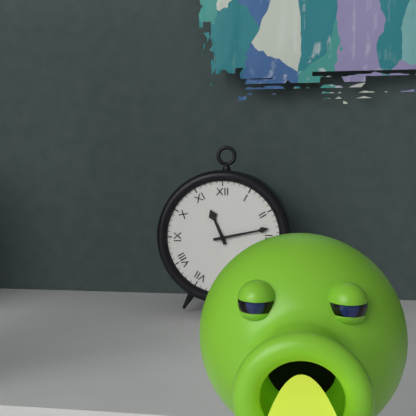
11:13
